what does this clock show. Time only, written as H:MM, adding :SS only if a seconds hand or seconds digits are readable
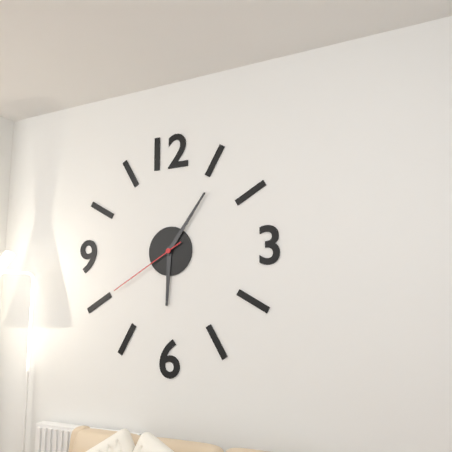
6:06:40
